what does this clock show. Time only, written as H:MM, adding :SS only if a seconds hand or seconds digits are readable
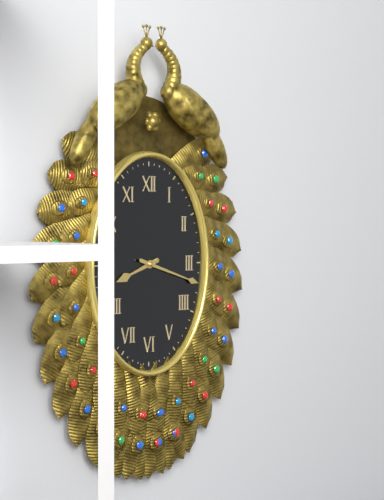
8:18
